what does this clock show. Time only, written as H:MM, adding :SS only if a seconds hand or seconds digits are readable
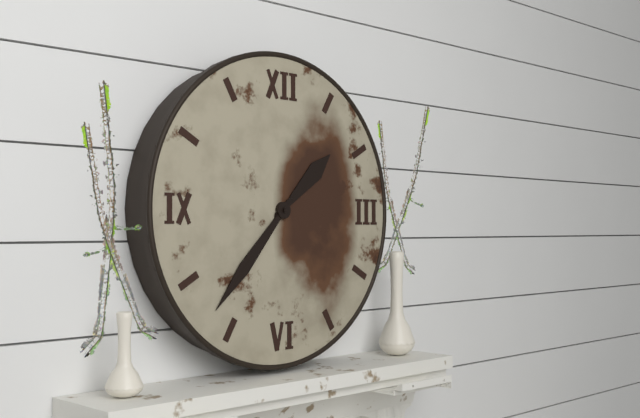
1:37
